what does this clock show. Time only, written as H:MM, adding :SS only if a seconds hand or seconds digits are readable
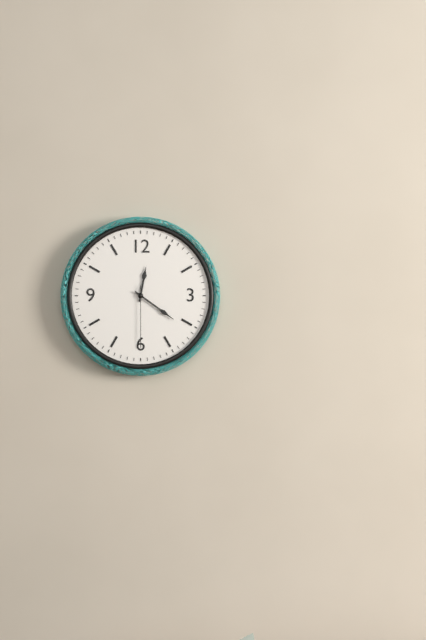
12:21:30
